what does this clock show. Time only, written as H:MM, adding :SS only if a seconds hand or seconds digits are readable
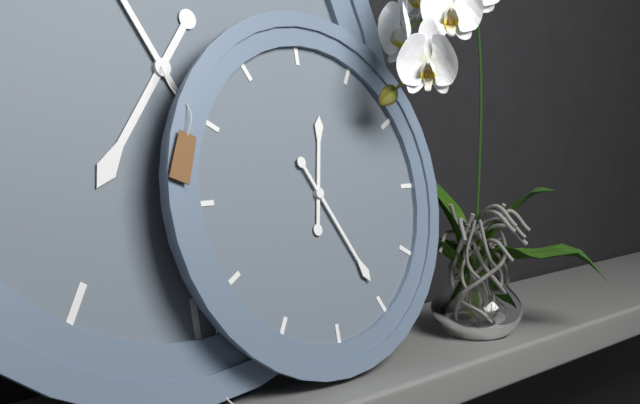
12:25
